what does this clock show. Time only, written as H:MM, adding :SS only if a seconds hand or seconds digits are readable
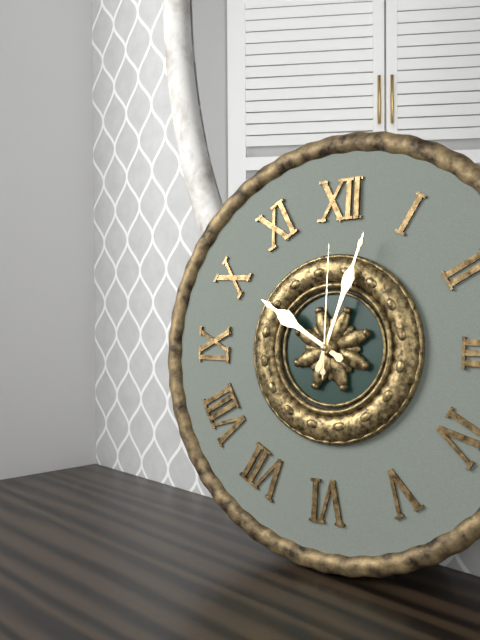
10:03:00
